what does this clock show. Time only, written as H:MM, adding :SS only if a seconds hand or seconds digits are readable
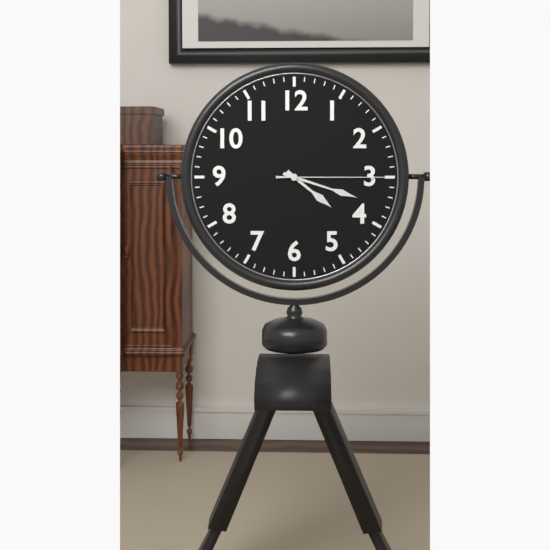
4:18:15
